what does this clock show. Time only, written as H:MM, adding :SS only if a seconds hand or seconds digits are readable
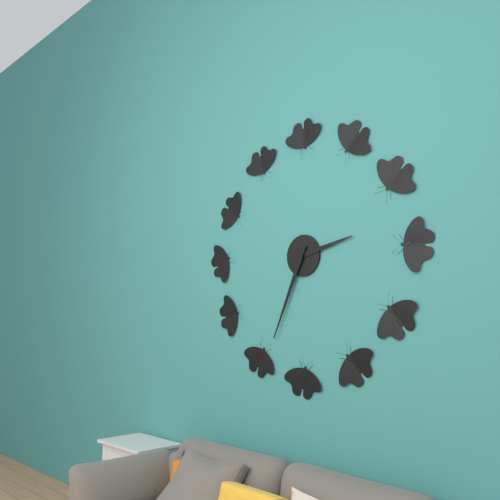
2:34
